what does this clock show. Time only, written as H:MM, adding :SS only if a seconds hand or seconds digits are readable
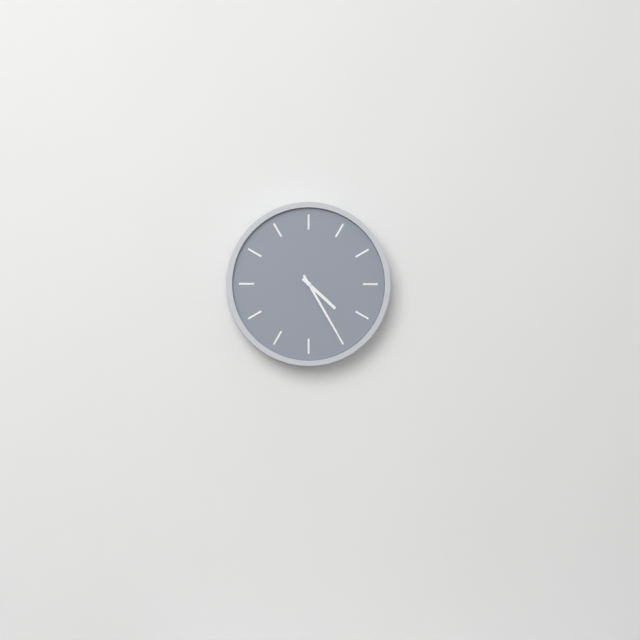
4:25
